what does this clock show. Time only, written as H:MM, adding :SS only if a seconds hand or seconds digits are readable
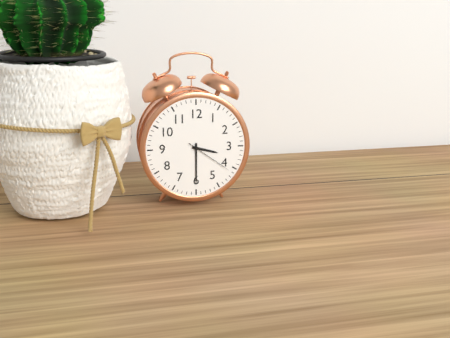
3:30:21
